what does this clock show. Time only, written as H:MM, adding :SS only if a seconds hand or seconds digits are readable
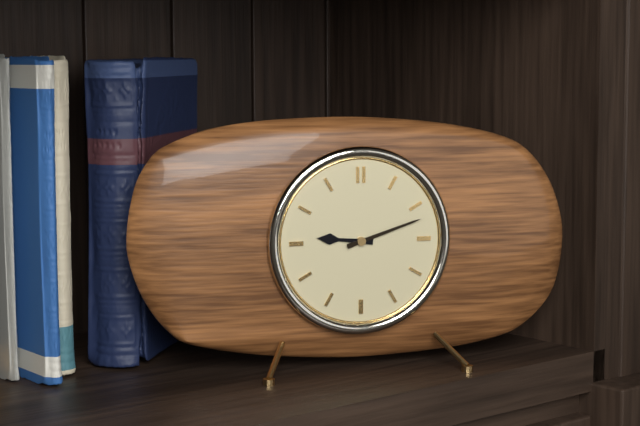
9:12
